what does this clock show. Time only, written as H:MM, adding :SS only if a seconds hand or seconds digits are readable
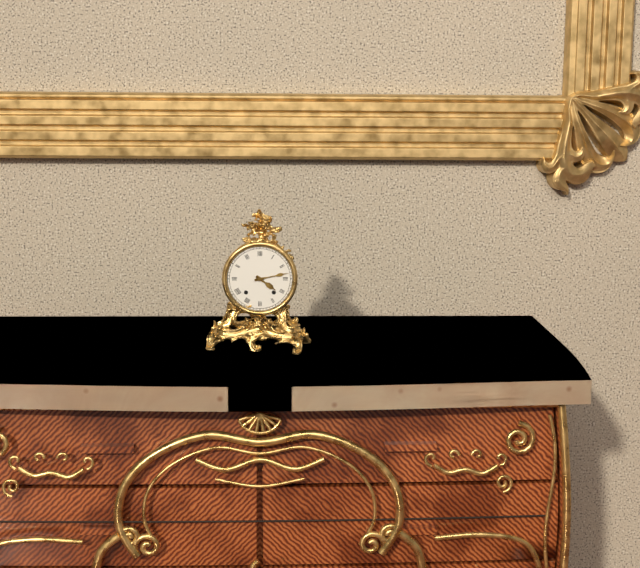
4:13
